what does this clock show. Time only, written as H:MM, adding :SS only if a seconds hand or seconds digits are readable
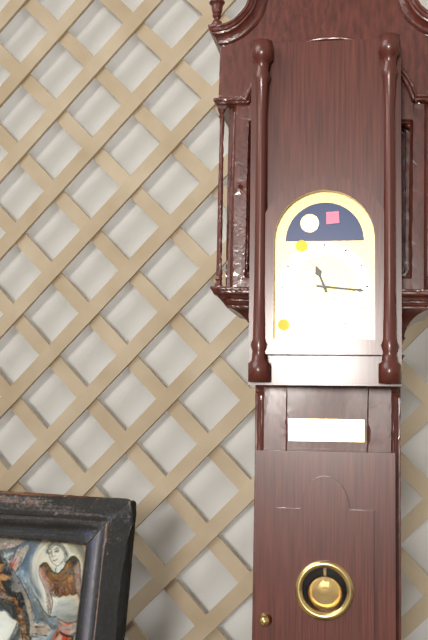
11:16
